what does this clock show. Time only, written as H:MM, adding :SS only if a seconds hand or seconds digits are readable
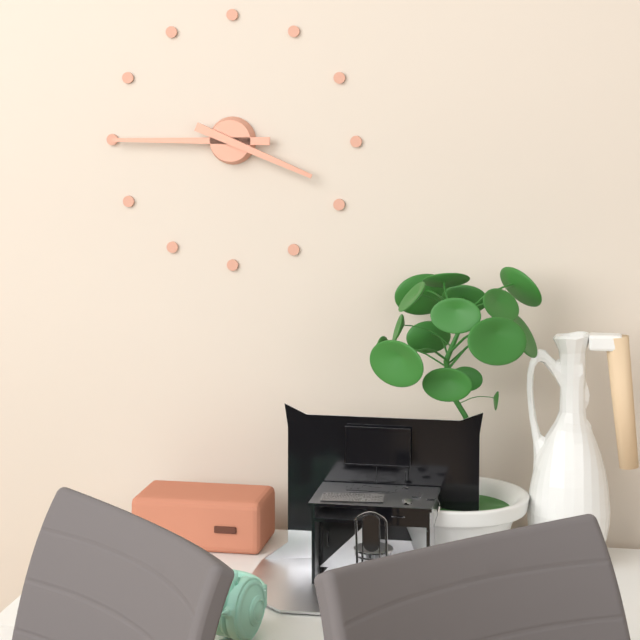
3:45
